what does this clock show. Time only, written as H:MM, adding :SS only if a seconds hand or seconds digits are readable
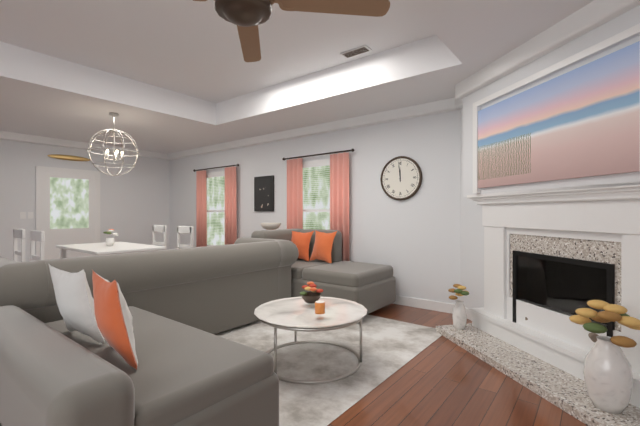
11:59
